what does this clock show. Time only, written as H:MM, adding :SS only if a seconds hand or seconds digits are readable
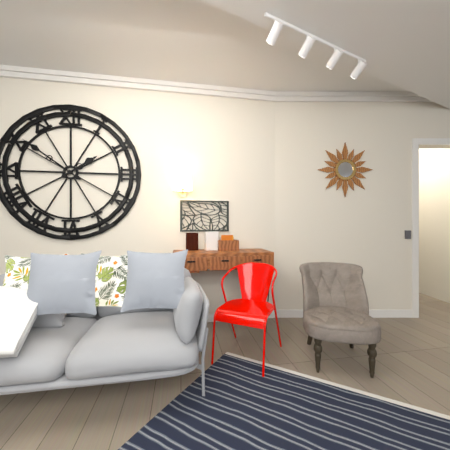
1:51
